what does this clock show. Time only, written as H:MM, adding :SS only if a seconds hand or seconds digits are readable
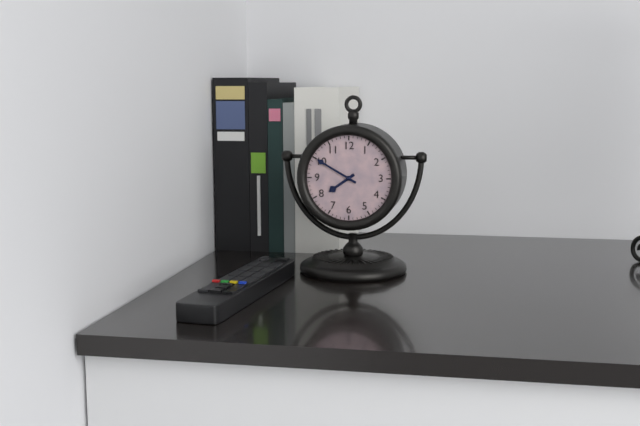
7:50
